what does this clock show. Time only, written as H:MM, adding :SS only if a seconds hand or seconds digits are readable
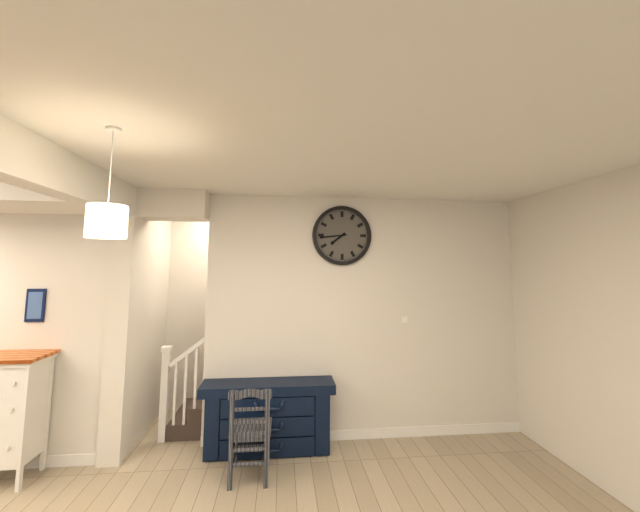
7:44
